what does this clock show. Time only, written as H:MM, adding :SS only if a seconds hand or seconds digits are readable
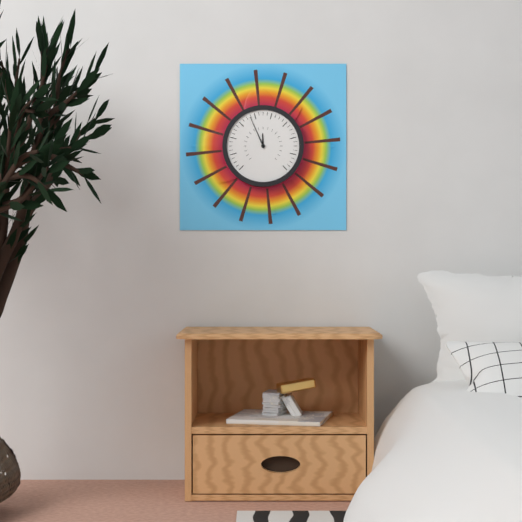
11:56
